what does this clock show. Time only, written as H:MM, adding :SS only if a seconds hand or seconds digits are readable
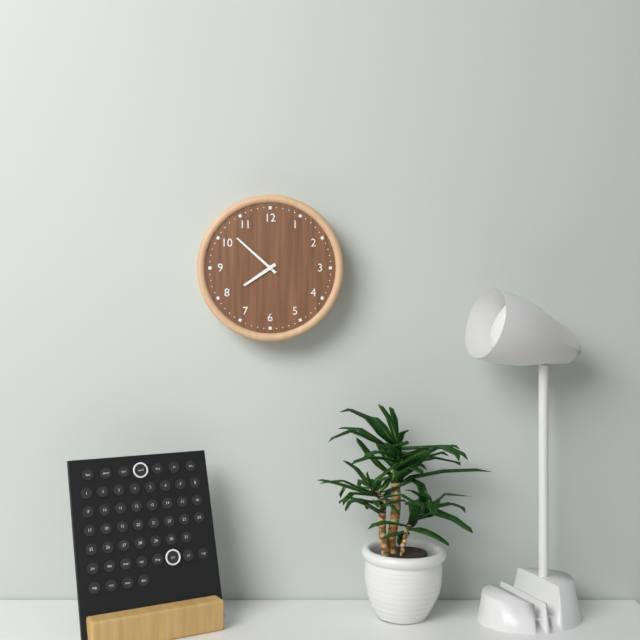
7:52
